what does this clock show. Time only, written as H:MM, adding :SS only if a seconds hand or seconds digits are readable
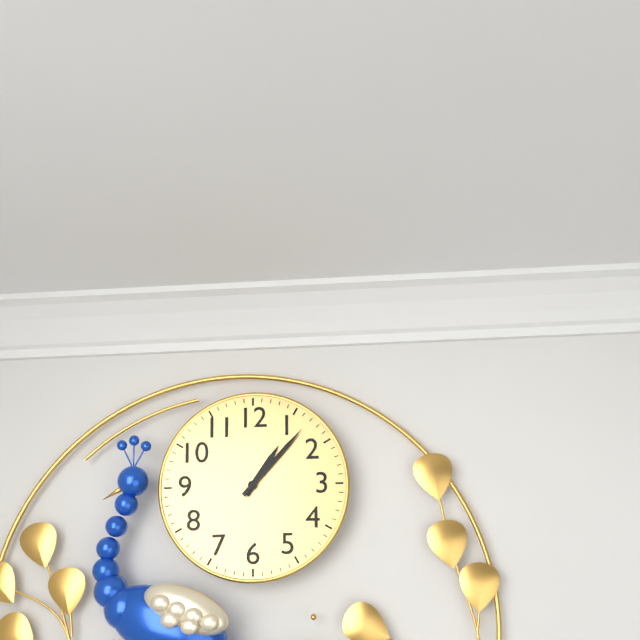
1:07
